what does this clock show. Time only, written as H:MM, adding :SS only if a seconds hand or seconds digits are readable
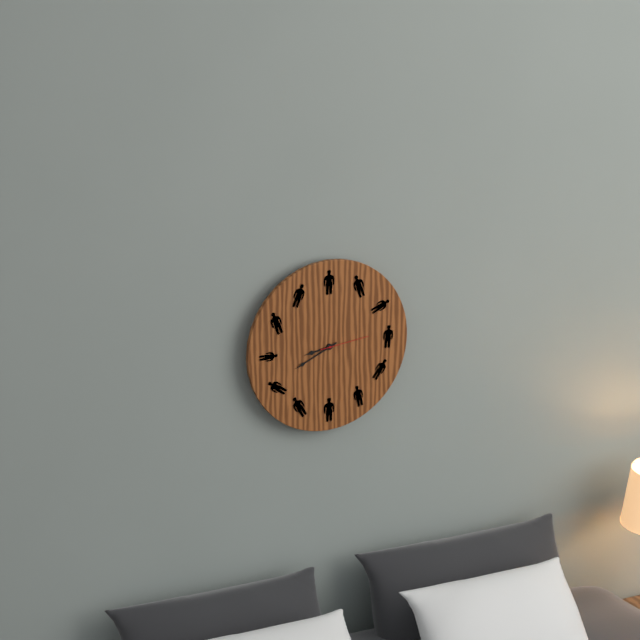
8:41:14
